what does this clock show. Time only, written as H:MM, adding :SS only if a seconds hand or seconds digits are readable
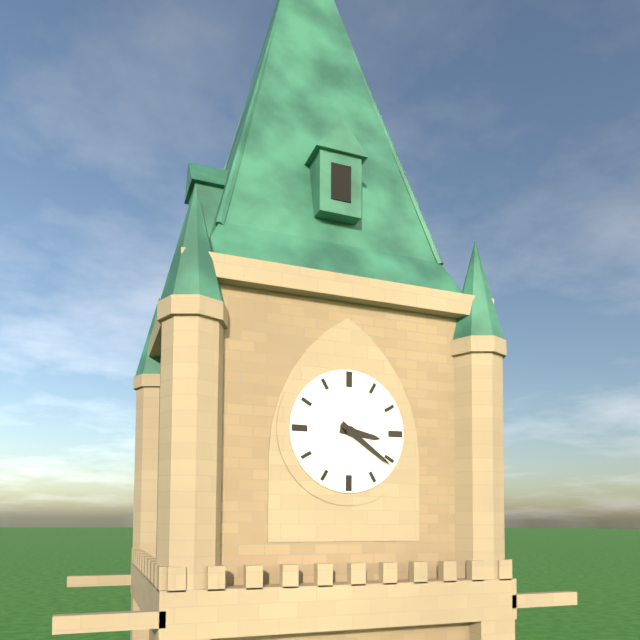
3:21
